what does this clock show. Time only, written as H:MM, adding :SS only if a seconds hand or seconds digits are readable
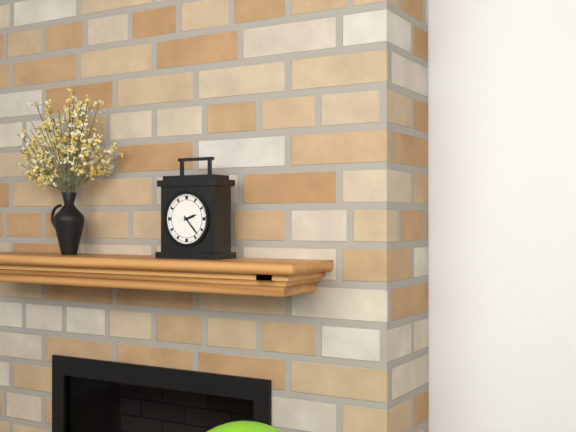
2:23
